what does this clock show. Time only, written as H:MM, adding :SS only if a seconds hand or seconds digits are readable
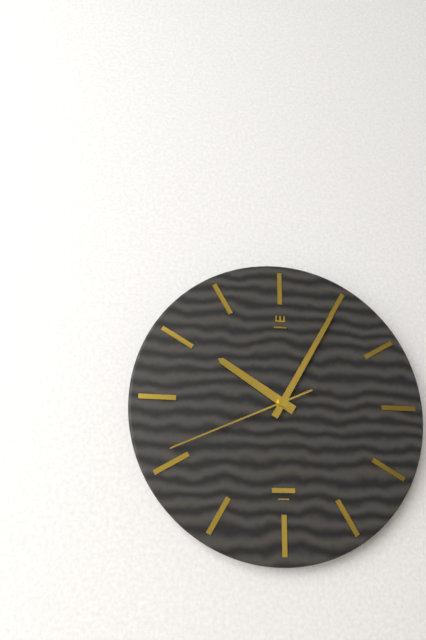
10:05:41
